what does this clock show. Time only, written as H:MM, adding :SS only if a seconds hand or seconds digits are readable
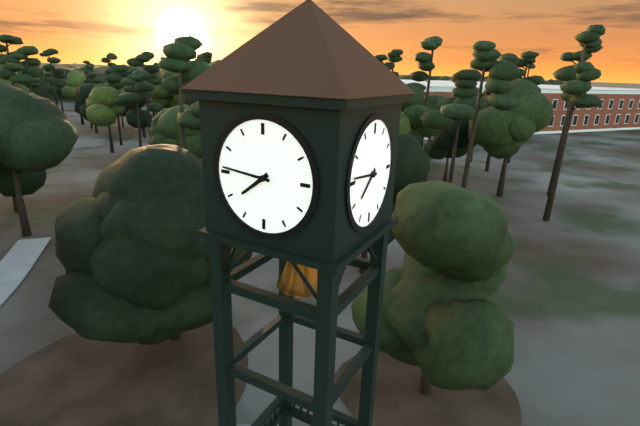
7:46
